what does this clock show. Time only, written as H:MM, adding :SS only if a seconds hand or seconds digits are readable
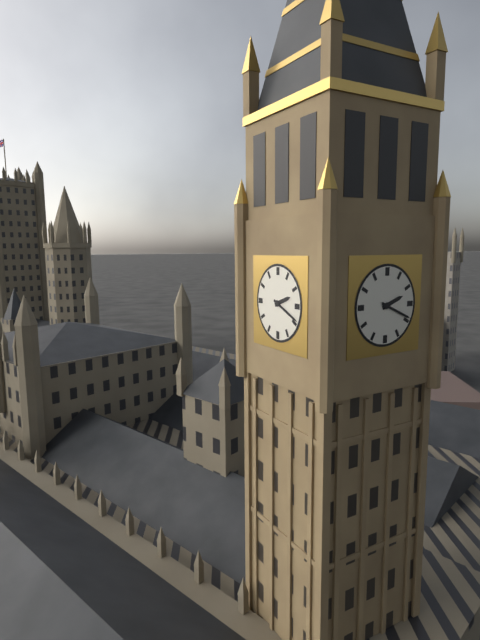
2:19
